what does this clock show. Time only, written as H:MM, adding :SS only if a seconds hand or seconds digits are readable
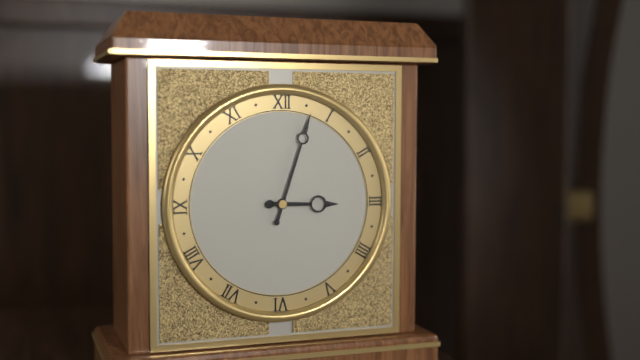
3:03
